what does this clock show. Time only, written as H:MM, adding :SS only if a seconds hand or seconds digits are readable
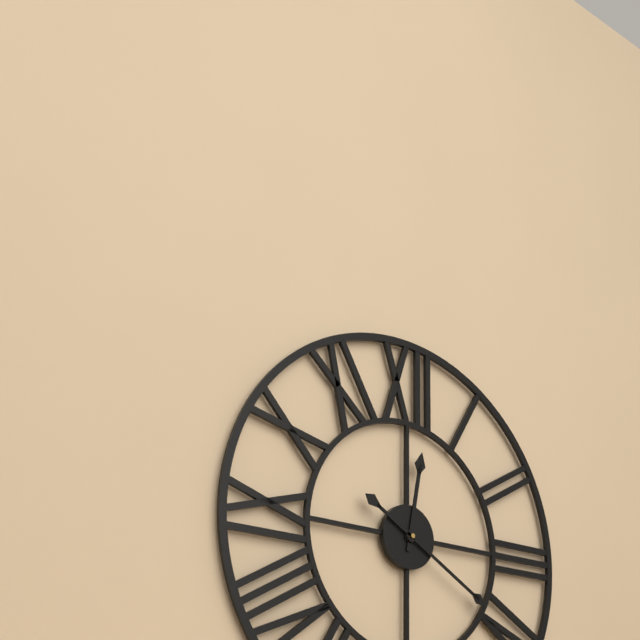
12:20
